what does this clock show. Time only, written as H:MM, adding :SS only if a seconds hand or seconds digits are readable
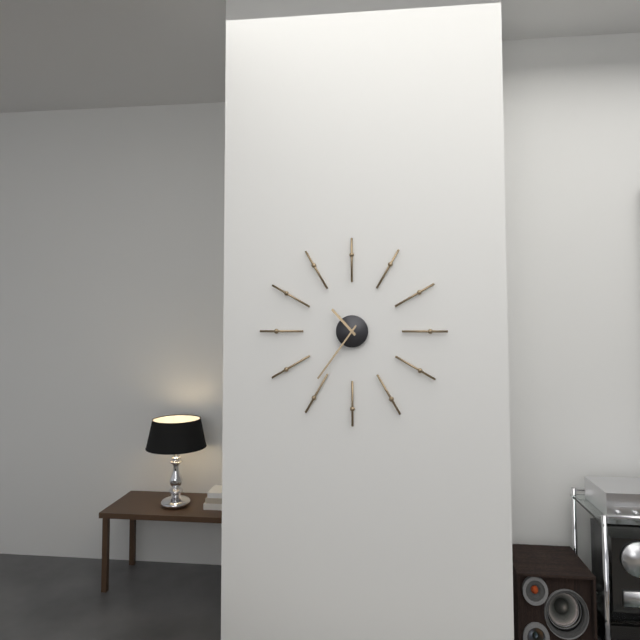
10:36
